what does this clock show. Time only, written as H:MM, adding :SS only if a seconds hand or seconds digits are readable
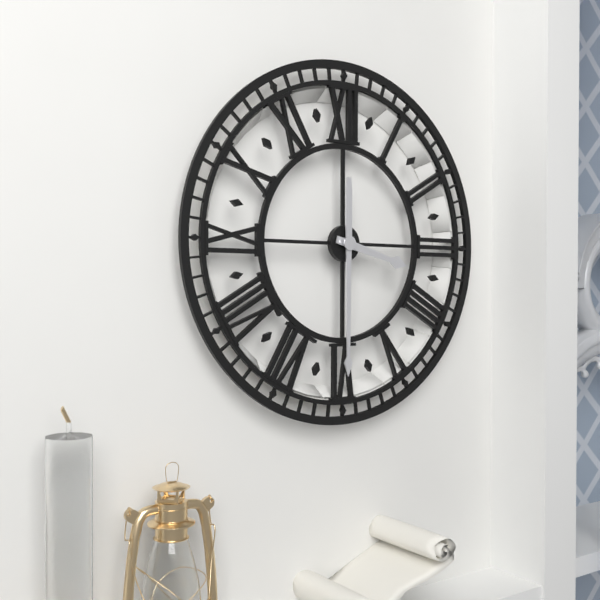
3:30
